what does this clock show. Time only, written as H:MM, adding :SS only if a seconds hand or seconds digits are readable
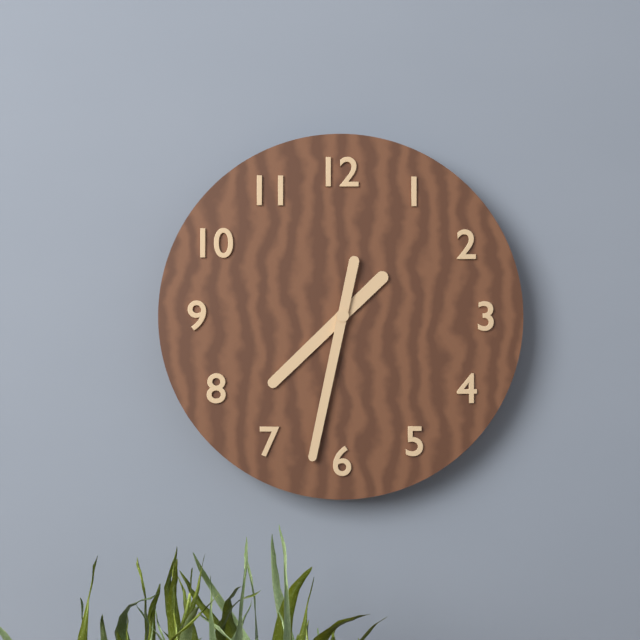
7:32
